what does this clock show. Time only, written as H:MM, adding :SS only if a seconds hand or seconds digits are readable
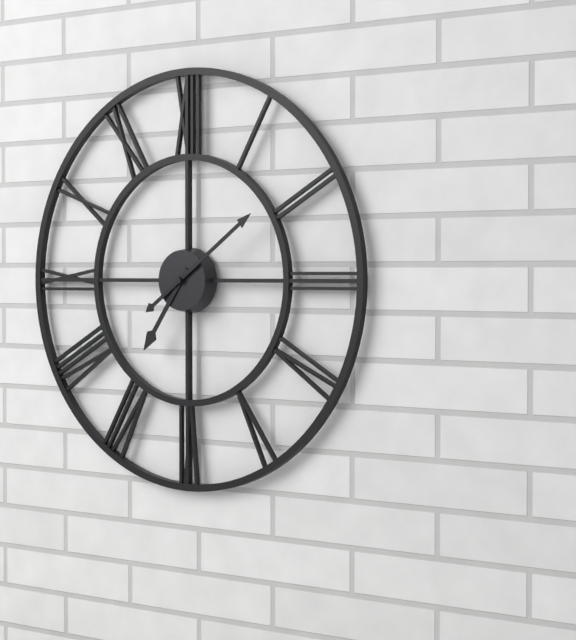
7:09
